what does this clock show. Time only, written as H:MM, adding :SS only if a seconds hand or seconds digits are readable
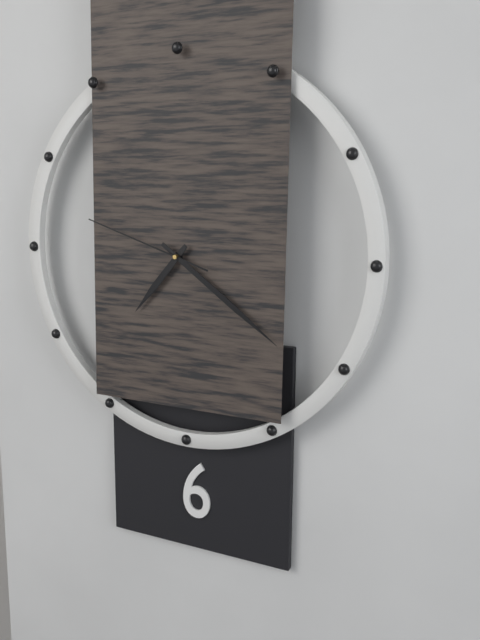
7:21:48
